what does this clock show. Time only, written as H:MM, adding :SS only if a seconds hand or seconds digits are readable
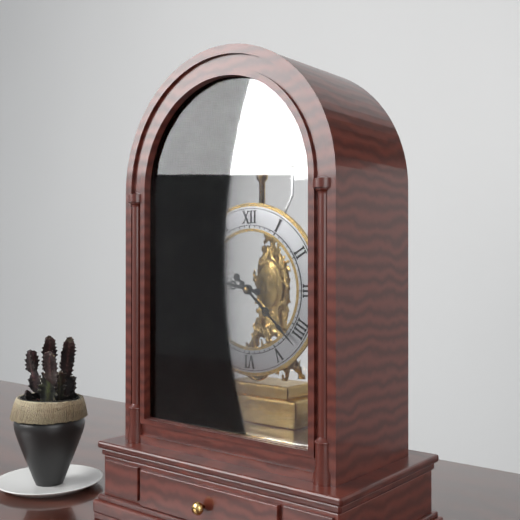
9:22
